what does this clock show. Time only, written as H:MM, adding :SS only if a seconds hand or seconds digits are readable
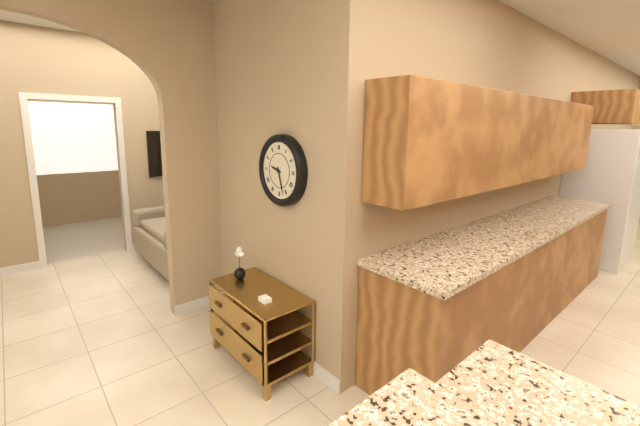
9:27
